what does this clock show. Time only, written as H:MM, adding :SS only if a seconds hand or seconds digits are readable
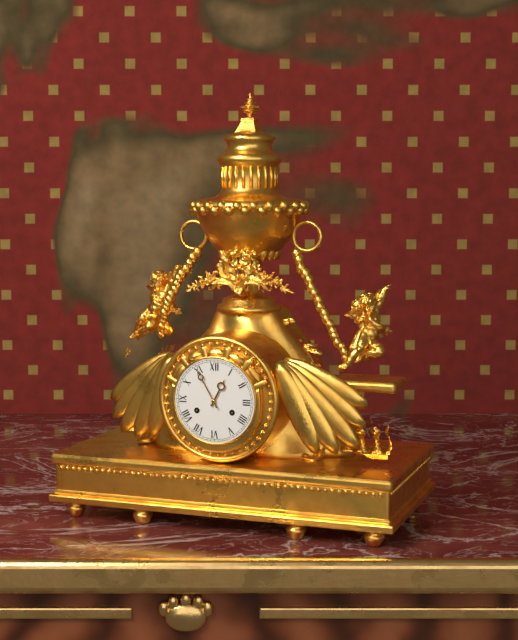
12:55
